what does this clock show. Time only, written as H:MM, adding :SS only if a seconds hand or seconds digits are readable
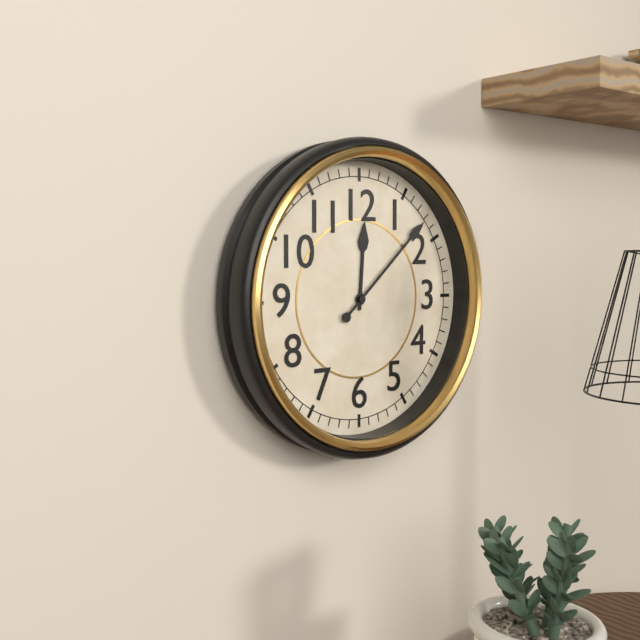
12:08
